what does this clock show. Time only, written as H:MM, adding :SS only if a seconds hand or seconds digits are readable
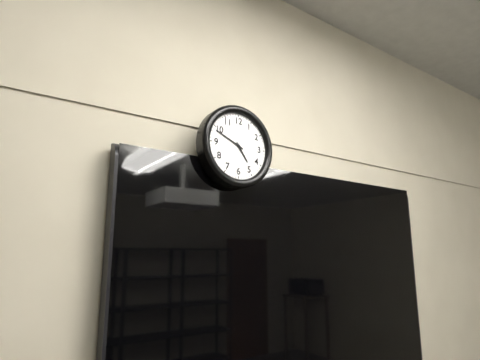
4:49
